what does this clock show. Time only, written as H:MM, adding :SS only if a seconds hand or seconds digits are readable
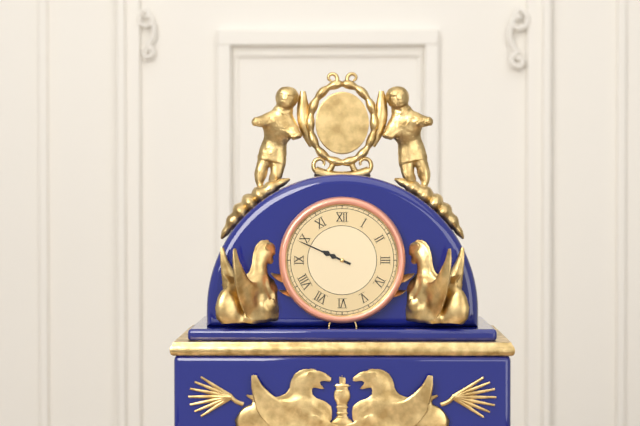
9:49
